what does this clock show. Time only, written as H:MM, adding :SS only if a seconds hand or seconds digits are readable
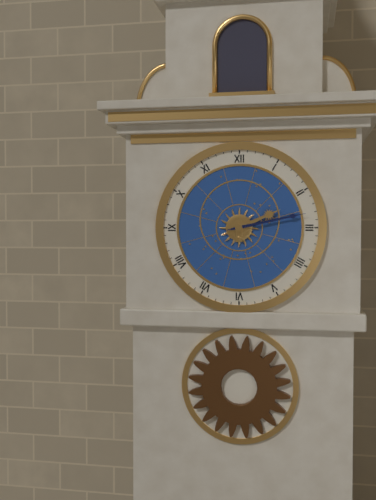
2:13
